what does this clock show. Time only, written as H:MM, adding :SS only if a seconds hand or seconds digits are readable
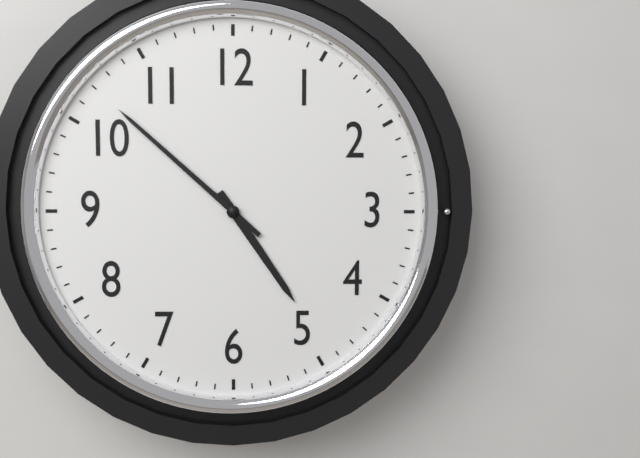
4:52
